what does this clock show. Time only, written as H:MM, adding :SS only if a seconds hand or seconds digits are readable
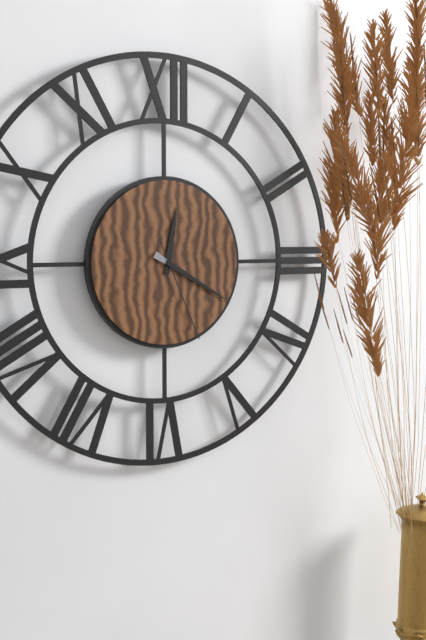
12:20:26
